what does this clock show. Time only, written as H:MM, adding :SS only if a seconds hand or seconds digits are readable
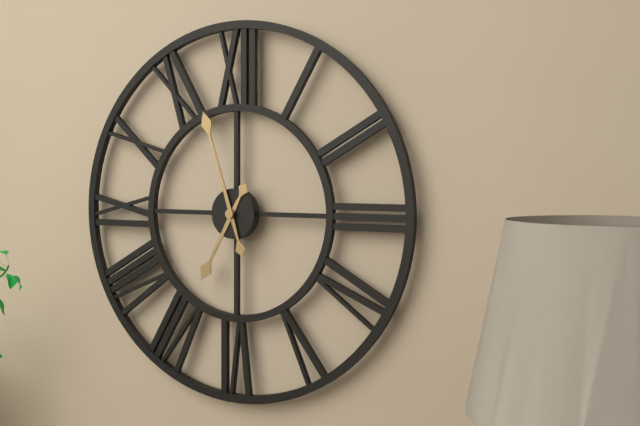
6:57
